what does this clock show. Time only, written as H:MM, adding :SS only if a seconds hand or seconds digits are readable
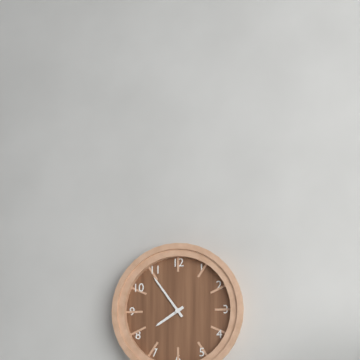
7:54
